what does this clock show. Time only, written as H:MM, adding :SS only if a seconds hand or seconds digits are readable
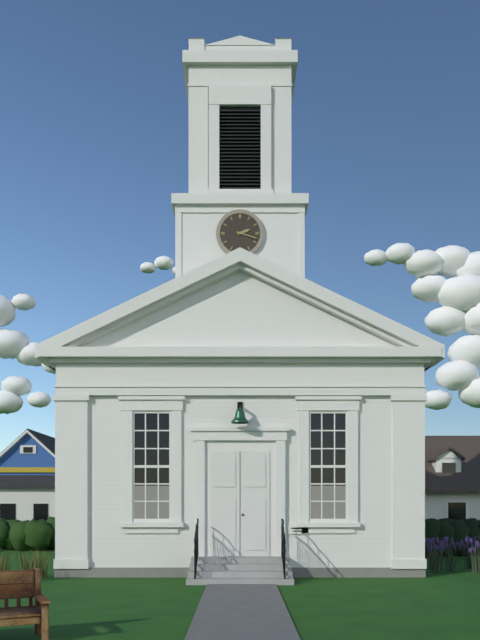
2:18
